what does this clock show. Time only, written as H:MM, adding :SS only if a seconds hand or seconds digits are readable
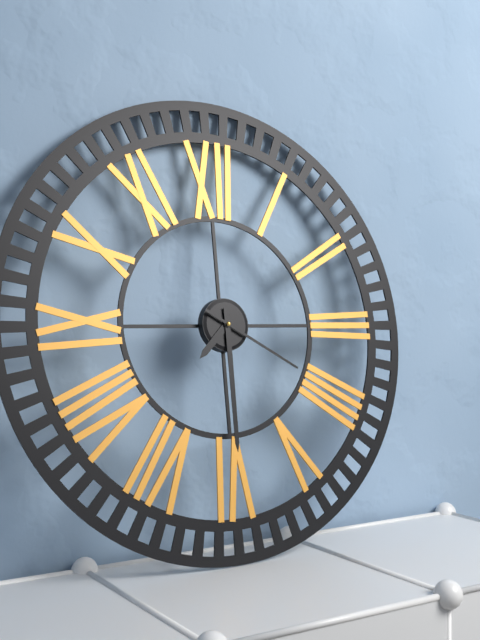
7:30:20
